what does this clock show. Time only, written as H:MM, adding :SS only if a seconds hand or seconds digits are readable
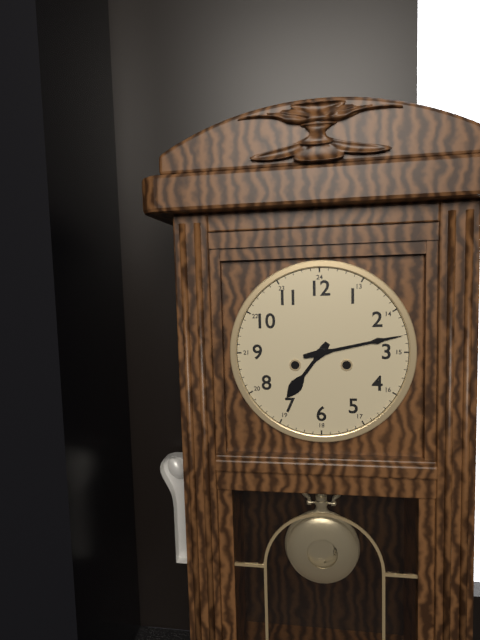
7:13
